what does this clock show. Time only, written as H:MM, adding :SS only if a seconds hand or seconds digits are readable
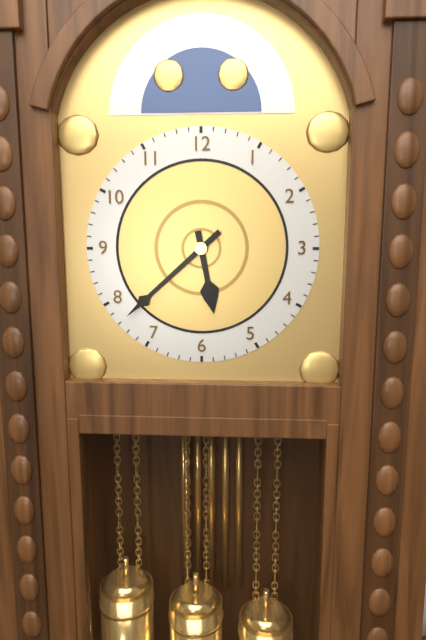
5:38
